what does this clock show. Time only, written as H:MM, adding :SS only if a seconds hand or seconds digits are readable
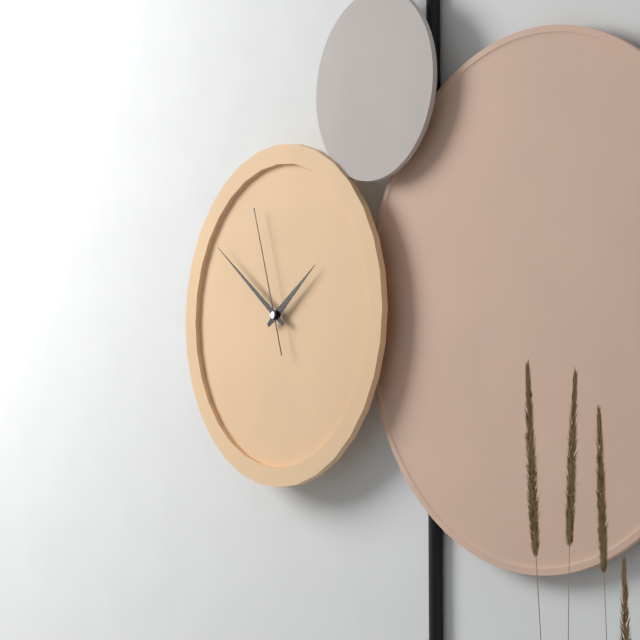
1:51:57
